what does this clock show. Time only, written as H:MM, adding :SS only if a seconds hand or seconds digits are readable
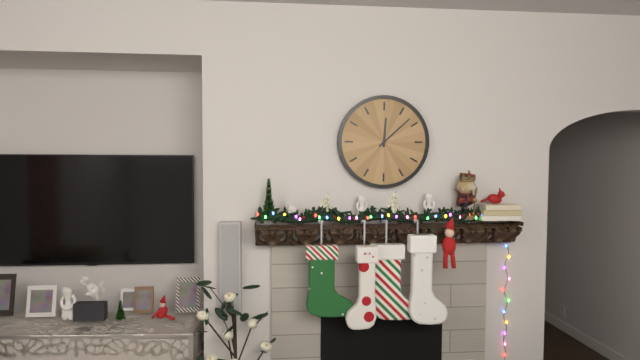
12:08
